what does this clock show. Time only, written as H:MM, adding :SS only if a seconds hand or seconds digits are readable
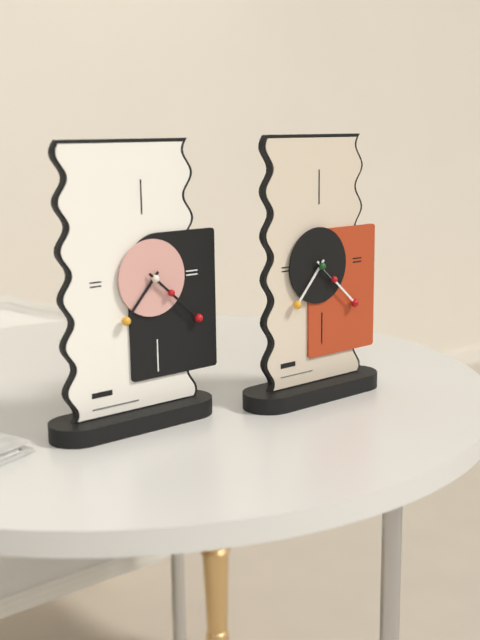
7:22
